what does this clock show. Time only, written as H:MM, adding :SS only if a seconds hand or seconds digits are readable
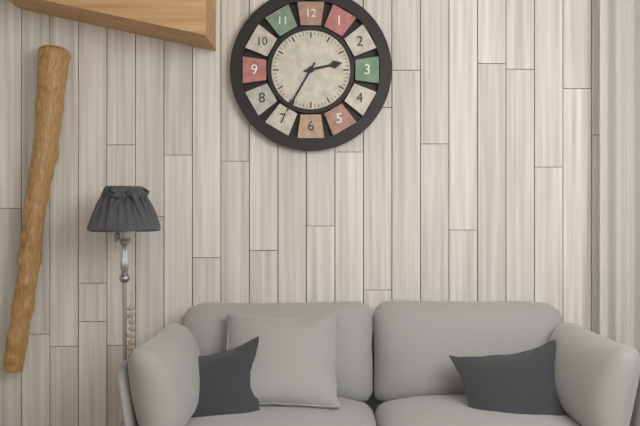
2:35
